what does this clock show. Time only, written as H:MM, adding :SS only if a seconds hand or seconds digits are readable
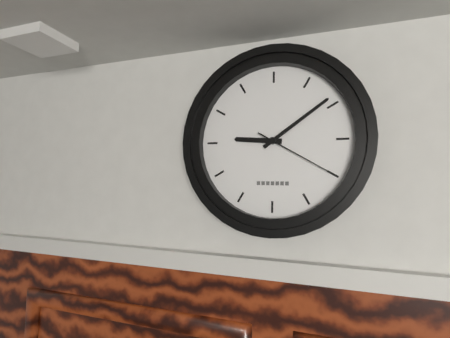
9:09:20
